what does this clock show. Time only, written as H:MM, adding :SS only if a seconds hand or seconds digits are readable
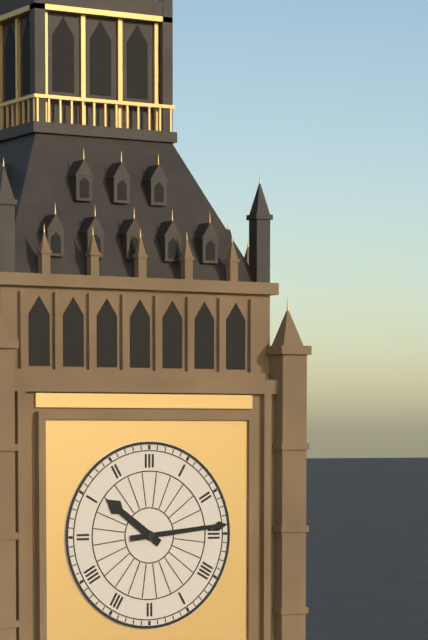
10:14
